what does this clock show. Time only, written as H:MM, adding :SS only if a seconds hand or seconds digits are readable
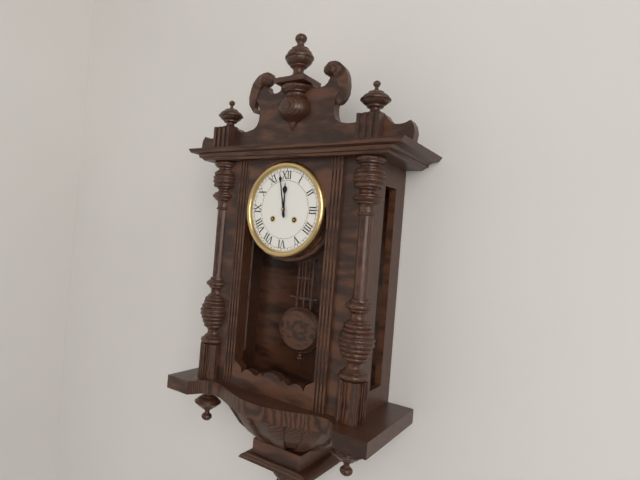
11:58
